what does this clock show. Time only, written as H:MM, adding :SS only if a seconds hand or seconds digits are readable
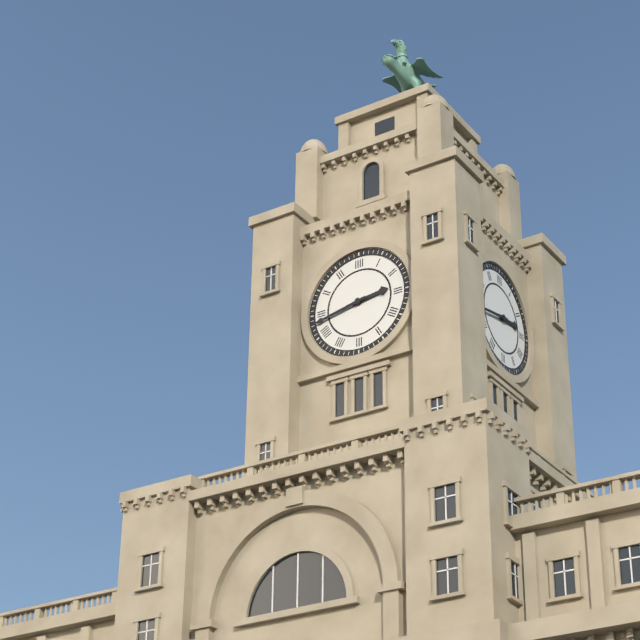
2:43
